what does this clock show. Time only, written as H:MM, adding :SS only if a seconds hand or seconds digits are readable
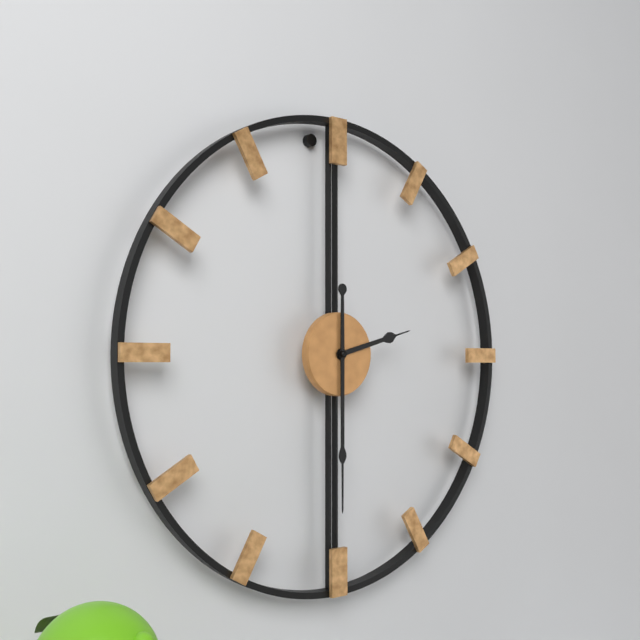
2:30
